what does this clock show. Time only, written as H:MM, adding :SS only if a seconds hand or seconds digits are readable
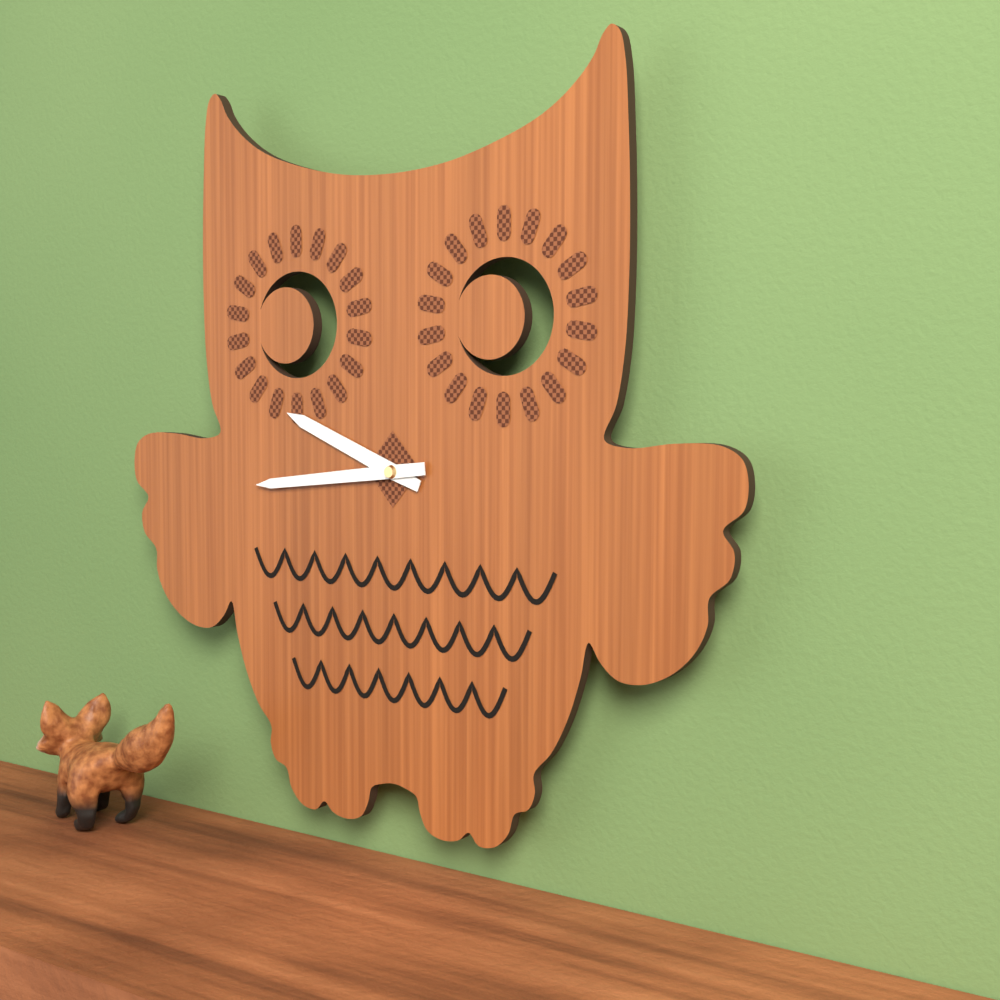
9:44
